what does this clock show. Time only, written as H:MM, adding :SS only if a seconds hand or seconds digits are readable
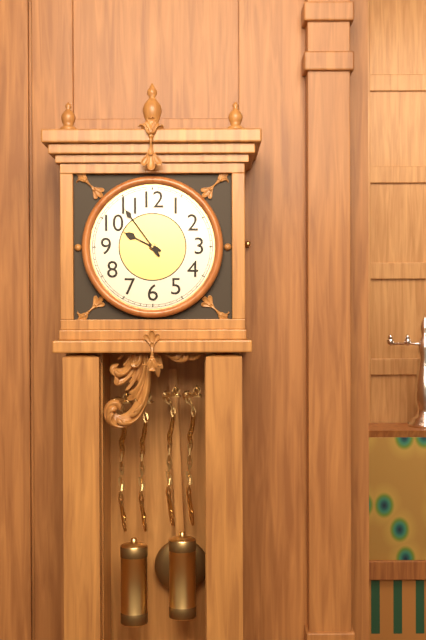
9:54
